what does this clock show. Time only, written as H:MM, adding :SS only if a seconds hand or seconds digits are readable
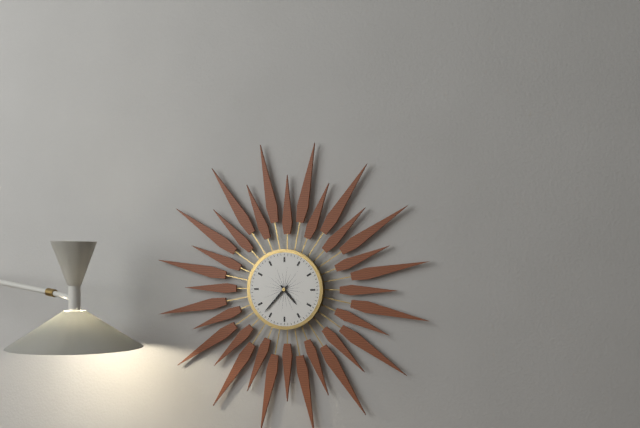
4:37
